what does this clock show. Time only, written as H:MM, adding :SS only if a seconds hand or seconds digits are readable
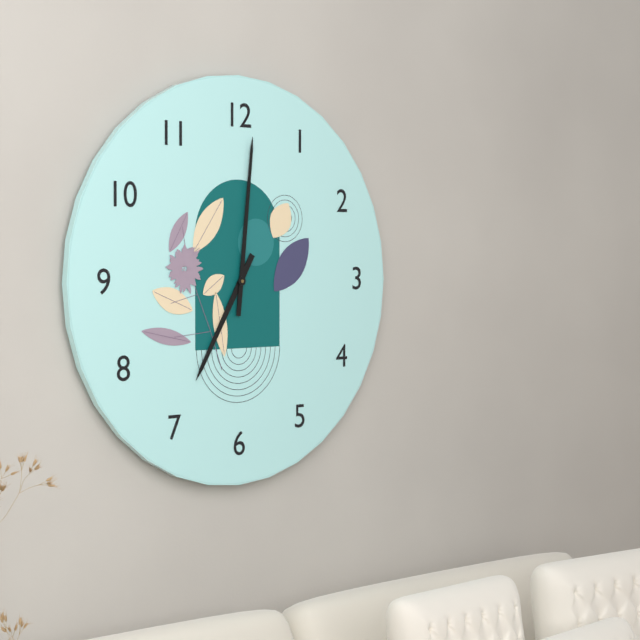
7:01
